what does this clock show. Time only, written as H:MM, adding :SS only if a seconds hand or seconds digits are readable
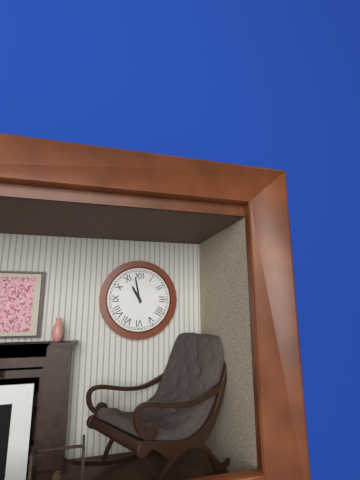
10:58
